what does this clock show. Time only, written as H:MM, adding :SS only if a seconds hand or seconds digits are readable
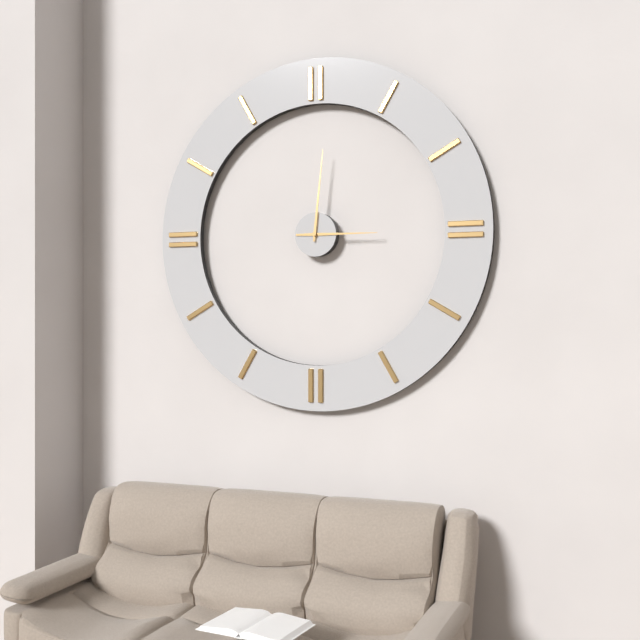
3:01
